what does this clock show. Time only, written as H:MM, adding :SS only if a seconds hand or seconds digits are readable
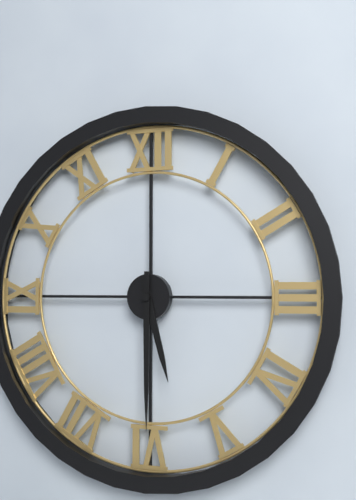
5:30
